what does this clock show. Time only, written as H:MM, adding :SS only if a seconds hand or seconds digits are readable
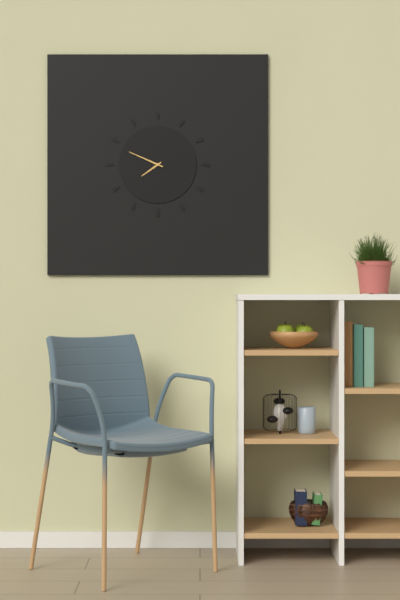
7:49
